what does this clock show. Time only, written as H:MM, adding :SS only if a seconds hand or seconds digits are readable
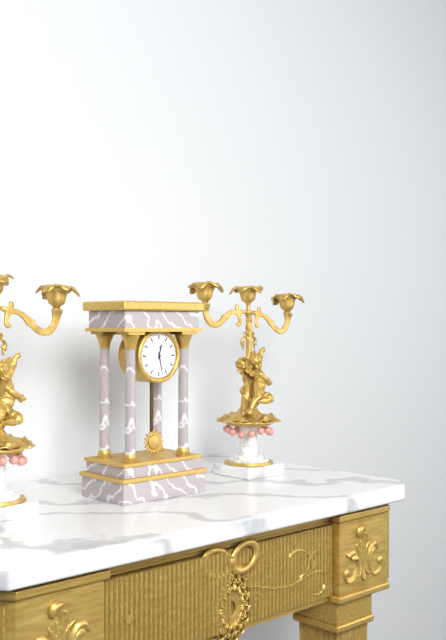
12:28
